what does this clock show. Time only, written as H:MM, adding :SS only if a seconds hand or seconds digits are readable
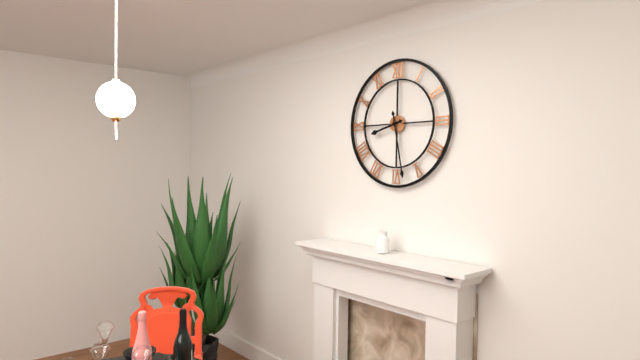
8:28
